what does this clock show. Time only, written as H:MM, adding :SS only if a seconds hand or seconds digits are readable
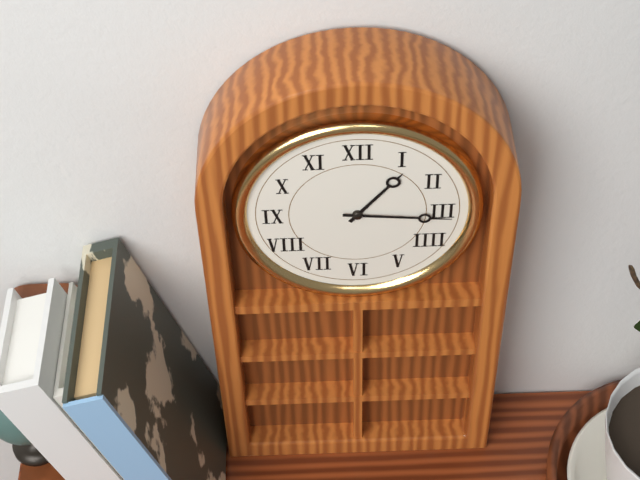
1:16
